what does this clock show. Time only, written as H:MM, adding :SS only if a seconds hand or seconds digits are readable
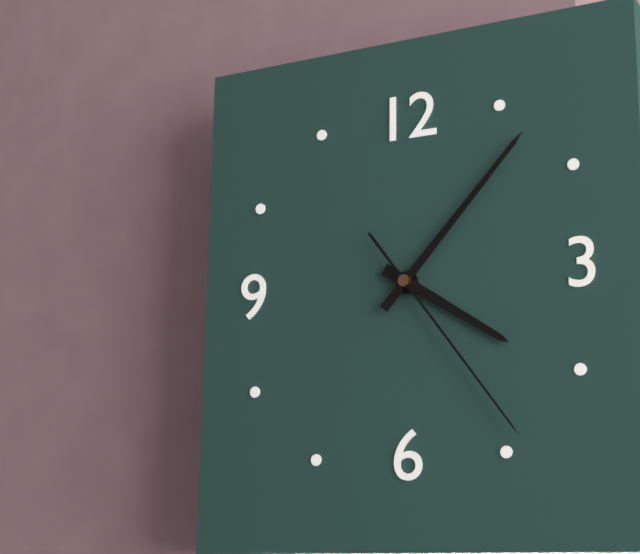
4:07:24
